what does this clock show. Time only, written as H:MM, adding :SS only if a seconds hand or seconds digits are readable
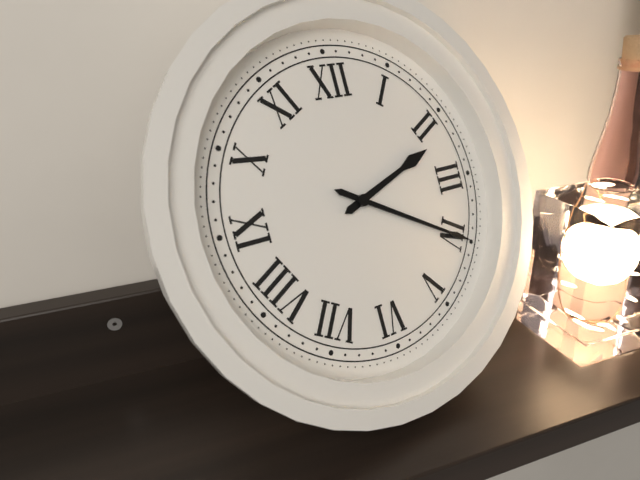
2:20
